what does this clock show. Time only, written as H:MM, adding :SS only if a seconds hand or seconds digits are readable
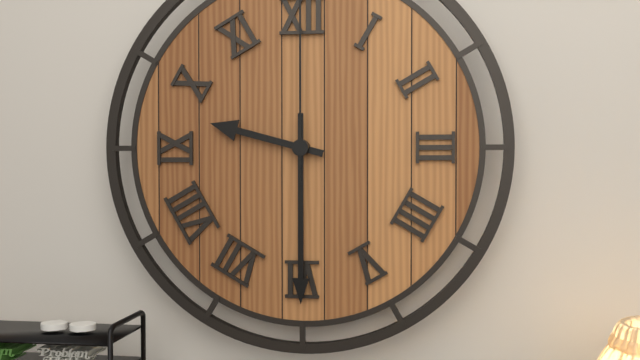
9:30
